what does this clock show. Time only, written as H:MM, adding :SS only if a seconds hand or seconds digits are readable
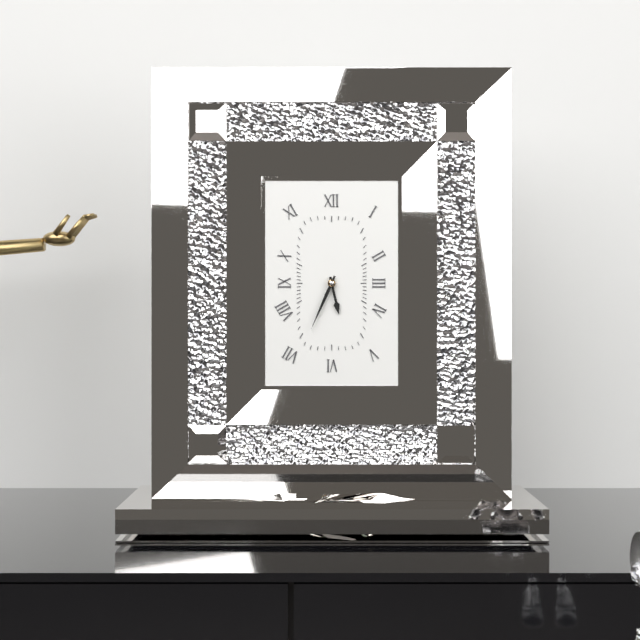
5:34
